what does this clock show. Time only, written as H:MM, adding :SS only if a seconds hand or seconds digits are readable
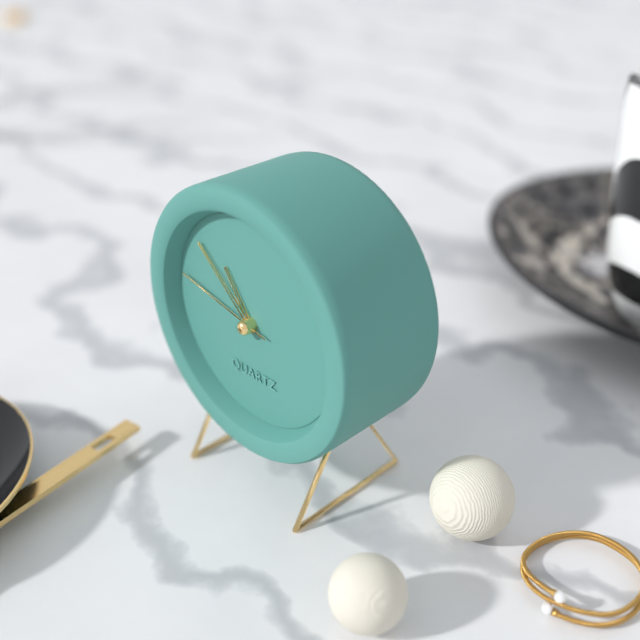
10:52:47
